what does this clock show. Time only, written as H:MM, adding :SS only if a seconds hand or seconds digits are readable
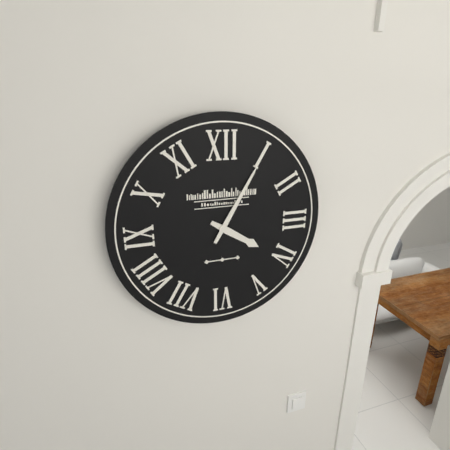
4:05
